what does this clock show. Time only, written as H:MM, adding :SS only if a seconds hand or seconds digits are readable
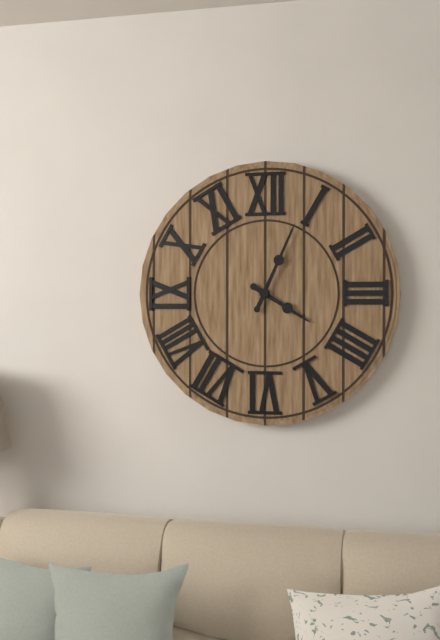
4:04
